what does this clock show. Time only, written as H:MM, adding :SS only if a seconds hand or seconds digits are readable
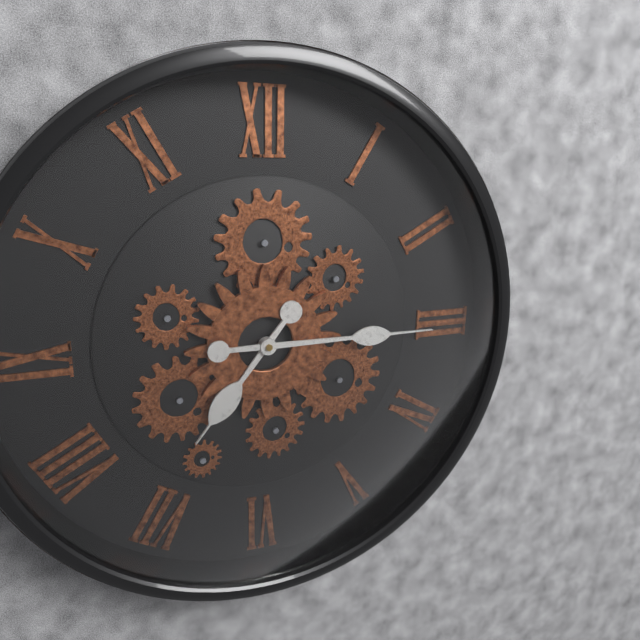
7:15
